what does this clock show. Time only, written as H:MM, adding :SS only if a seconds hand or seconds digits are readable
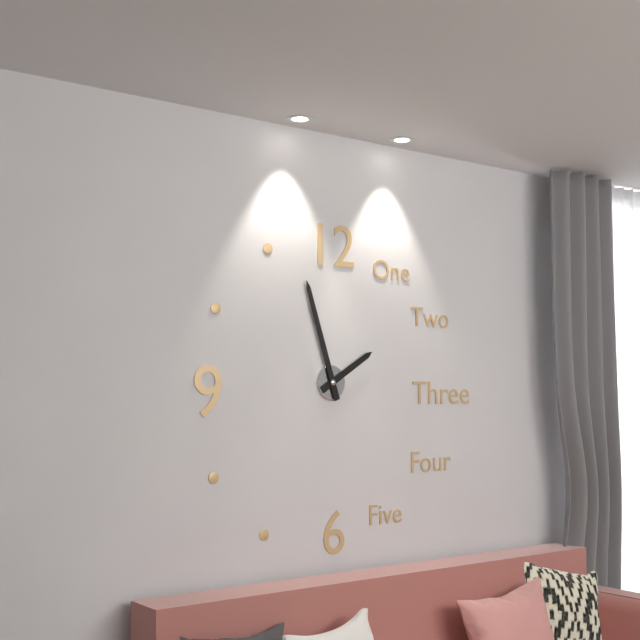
1:57
